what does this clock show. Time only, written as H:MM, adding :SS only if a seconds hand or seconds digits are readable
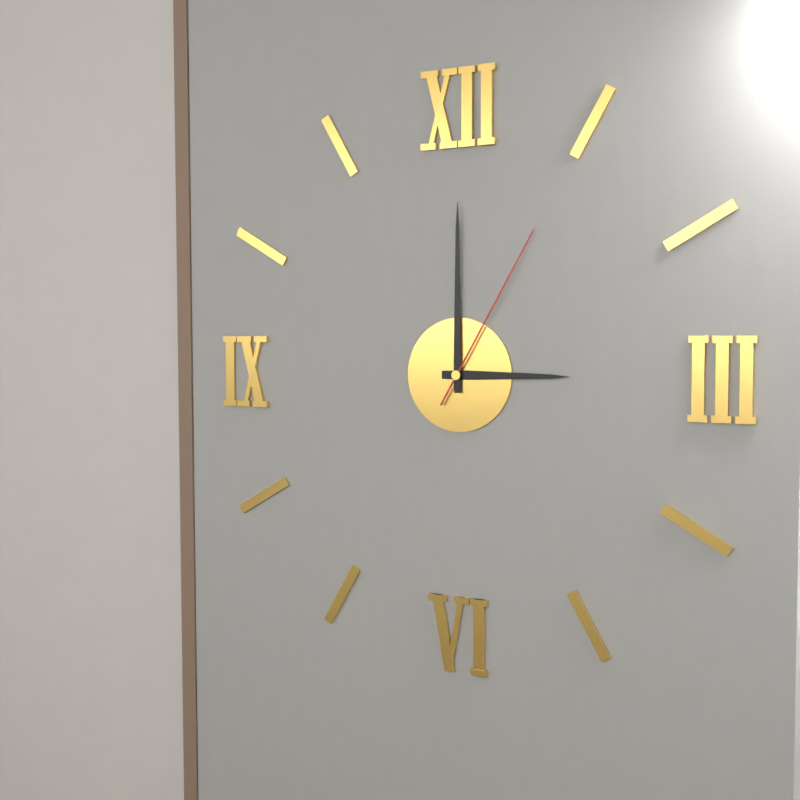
3:00:05
